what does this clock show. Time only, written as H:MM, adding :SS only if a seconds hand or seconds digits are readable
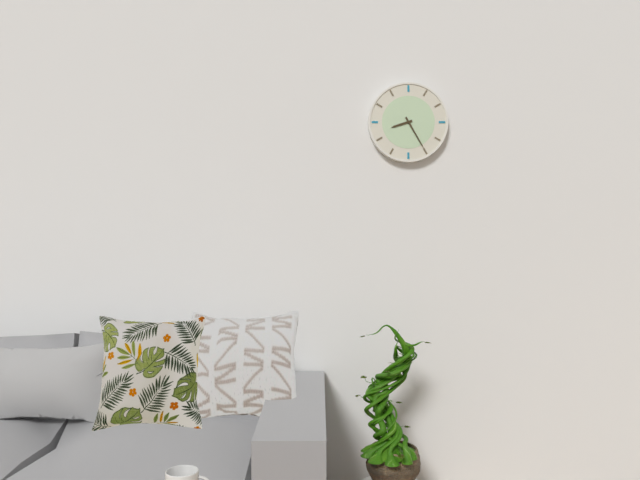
8:25
